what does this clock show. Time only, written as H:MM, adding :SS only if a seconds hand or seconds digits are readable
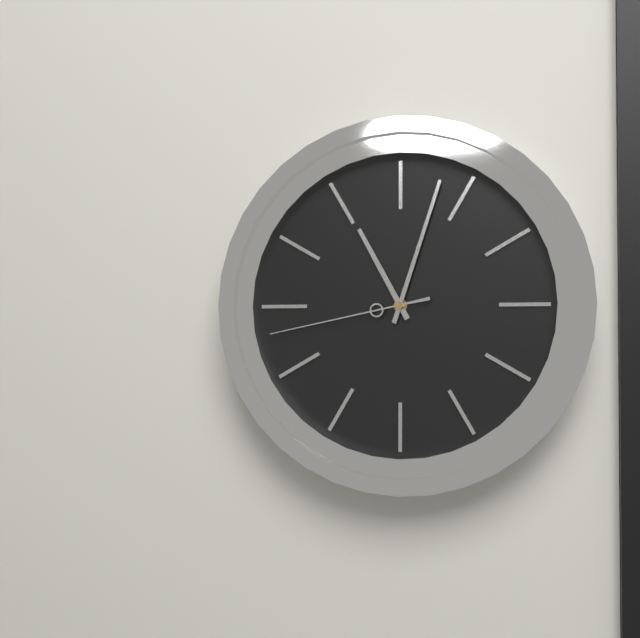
11:03:43
